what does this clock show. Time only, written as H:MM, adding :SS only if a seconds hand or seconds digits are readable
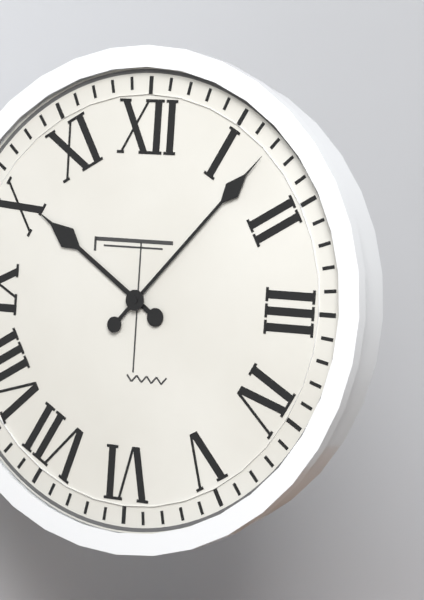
10:07
